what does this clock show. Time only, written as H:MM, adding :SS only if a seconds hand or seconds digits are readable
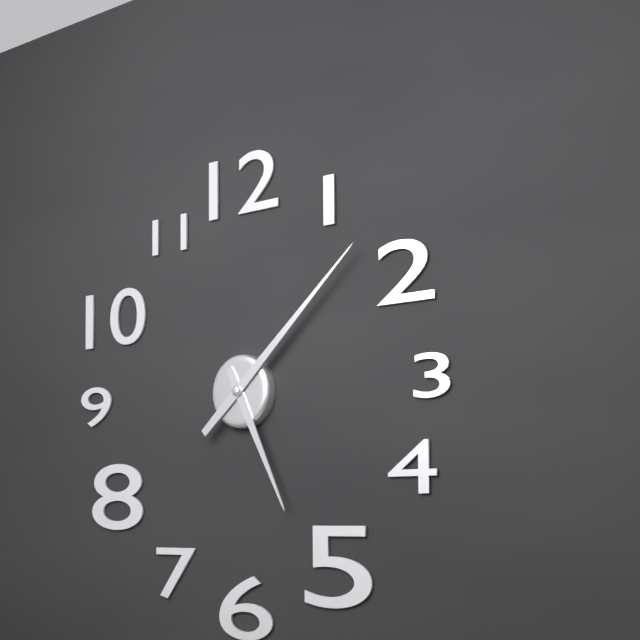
5:08
